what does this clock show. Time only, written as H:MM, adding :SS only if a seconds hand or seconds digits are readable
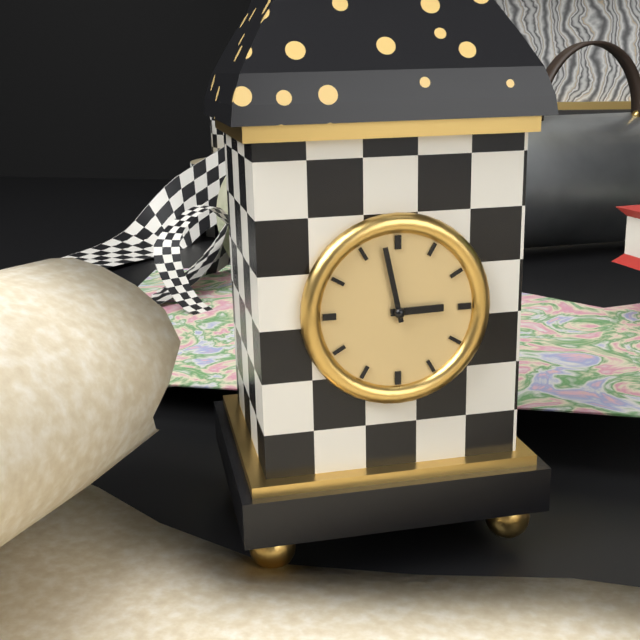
2:58
